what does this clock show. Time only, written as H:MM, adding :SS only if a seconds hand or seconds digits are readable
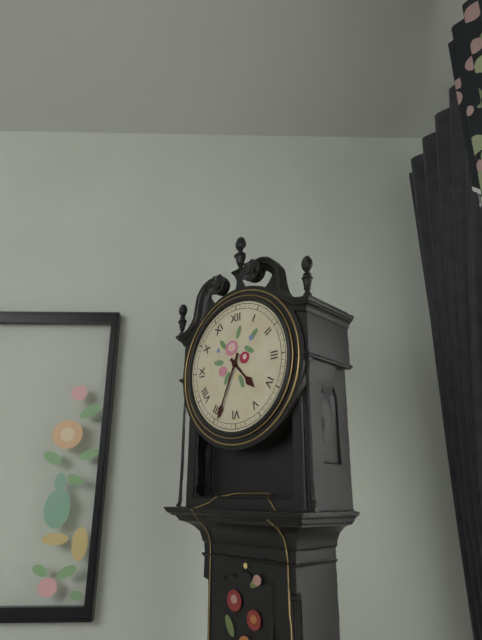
4:34
